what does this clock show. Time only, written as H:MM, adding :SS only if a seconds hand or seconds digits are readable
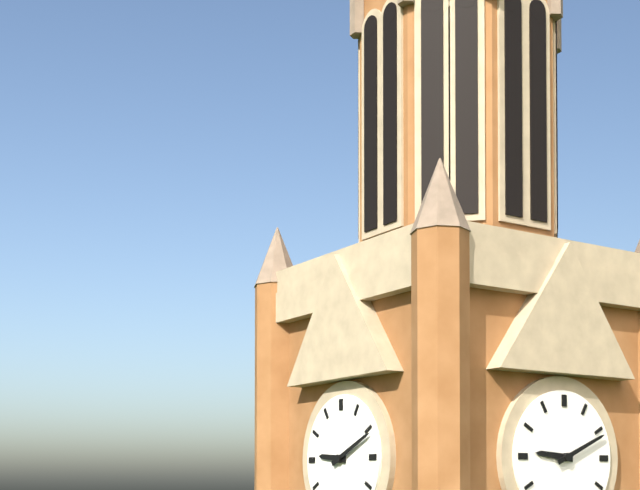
9:11
